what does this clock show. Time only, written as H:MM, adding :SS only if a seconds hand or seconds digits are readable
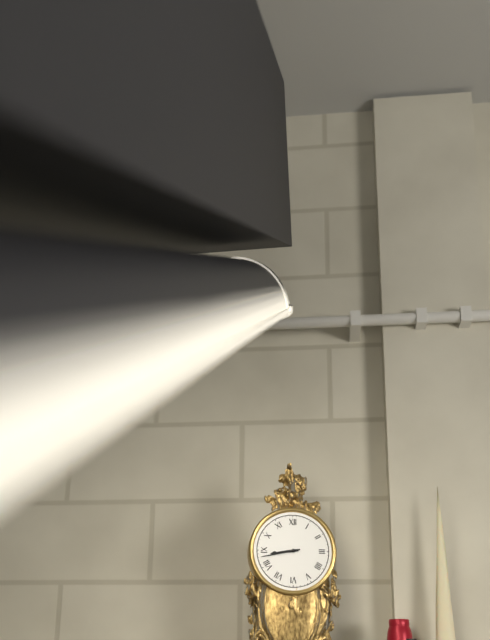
8:43
